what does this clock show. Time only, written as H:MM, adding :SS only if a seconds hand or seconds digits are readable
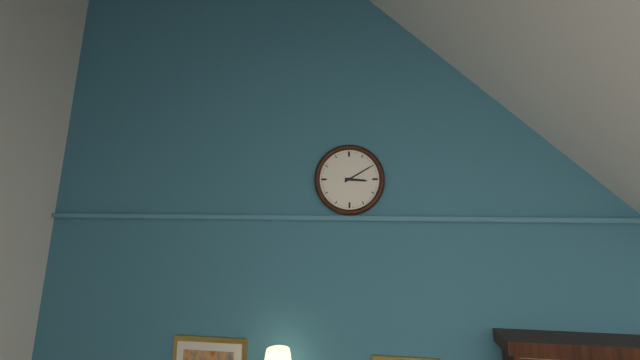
3:10
